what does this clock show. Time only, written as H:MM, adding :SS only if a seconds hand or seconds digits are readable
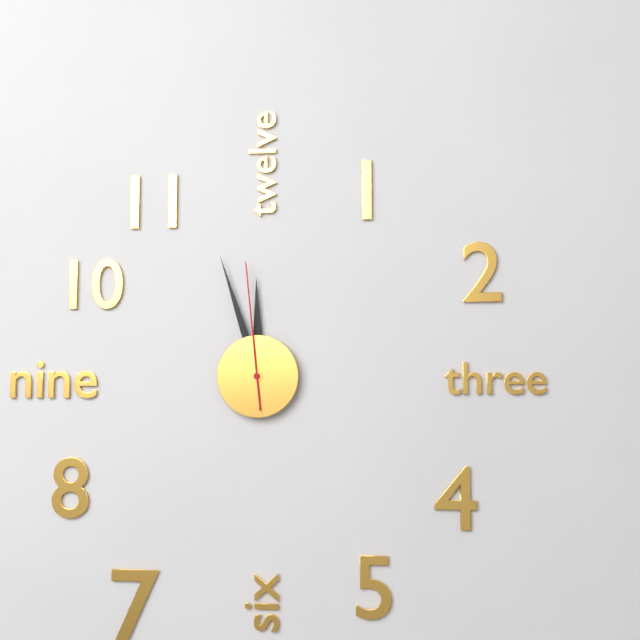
11:57:59
